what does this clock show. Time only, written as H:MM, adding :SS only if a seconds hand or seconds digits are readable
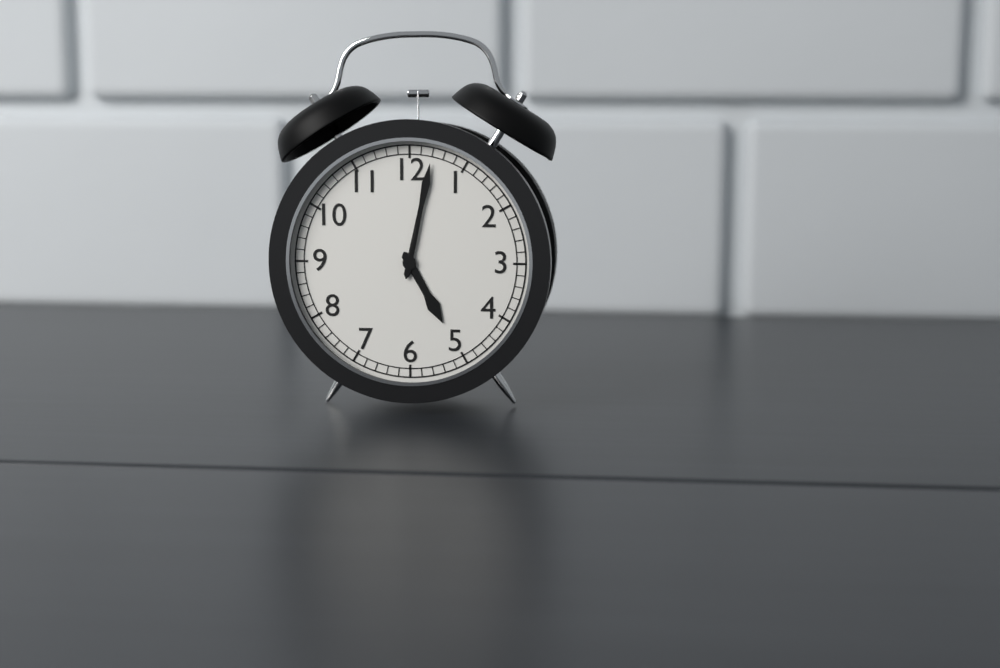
5:02
